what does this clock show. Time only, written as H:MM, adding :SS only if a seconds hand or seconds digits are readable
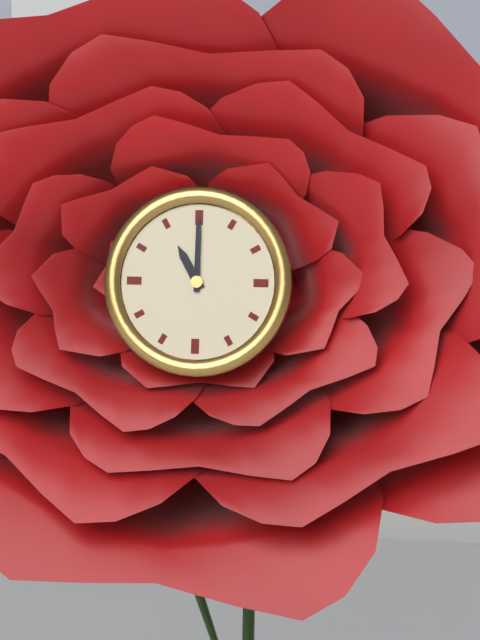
11:00
